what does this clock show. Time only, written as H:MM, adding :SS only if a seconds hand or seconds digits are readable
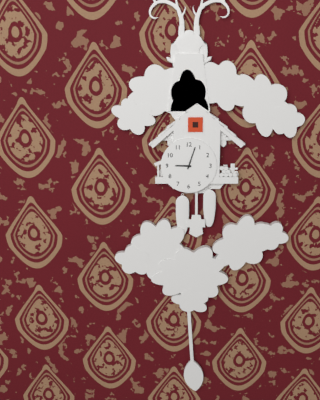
9:03
